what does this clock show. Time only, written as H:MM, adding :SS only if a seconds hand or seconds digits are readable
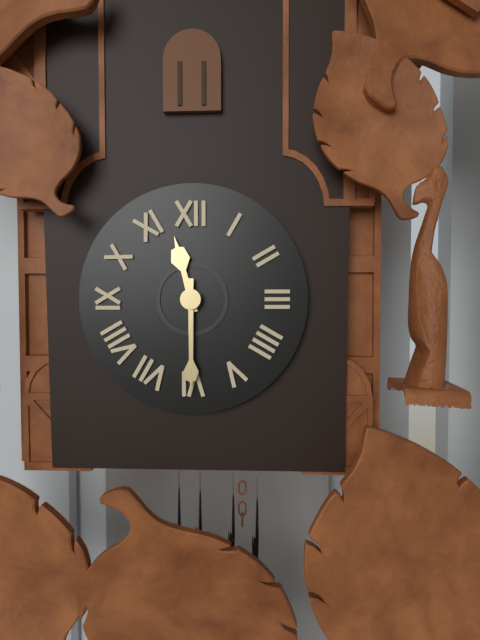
11:30
